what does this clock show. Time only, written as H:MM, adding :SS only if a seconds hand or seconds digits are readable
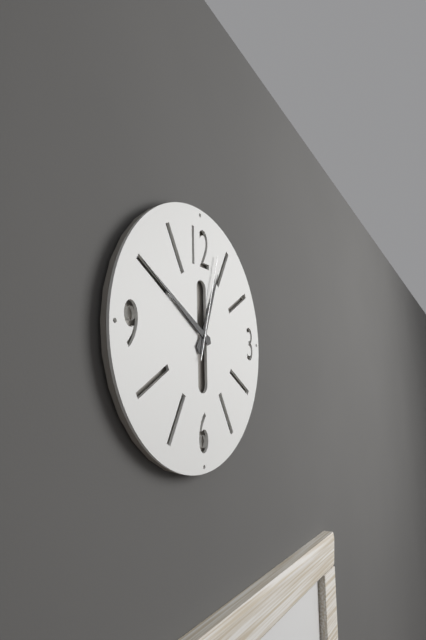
12:50:03
